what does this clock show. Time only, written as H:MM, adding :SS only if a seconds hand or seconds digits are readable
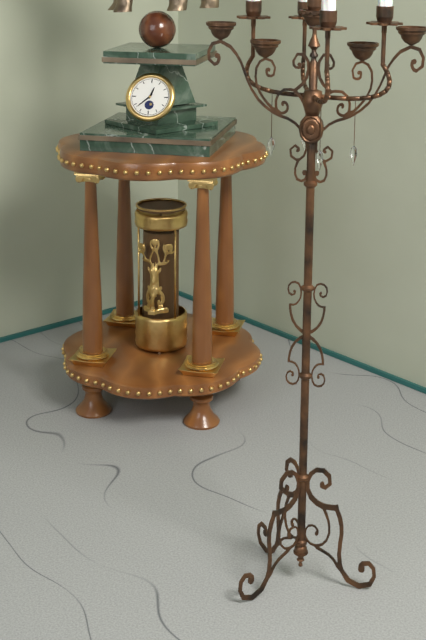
12:38
